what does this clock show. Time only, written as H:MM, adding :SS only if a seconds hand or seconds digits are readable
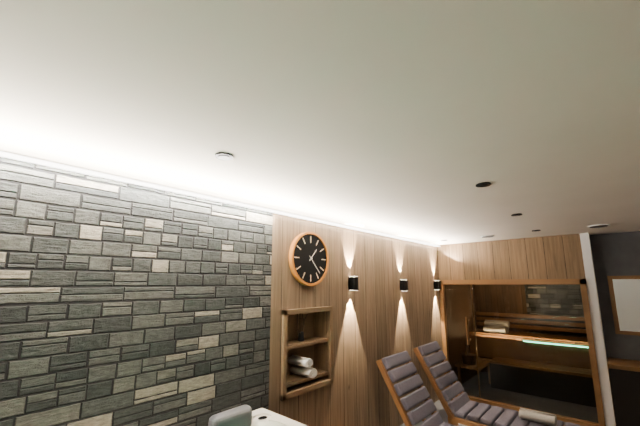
1:23
